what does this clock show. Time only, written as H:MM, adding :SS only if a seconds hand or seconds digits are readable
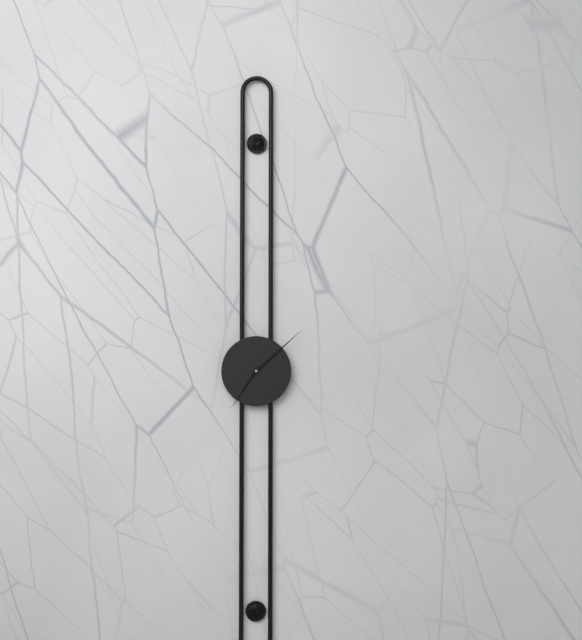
7:08
